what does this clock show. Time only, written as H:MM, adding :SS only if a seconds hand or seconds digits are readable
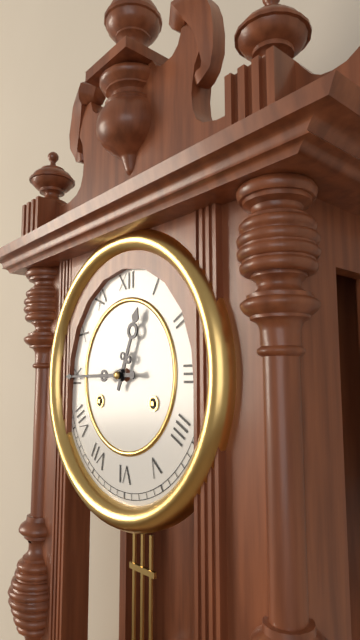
12:45
